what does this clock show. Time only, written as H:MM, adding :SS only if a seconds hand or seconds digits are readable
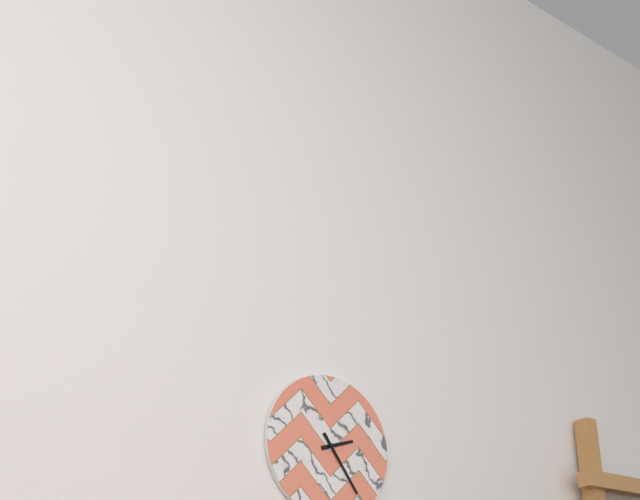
2:24
